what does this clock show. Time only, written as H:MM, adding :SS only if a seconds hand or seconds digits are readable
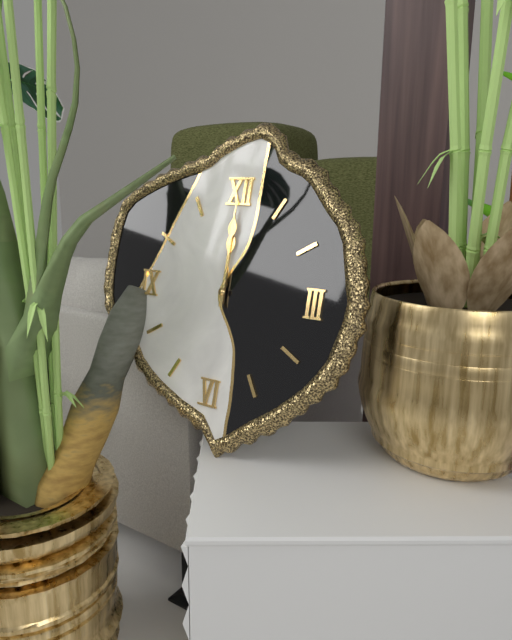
12:00
